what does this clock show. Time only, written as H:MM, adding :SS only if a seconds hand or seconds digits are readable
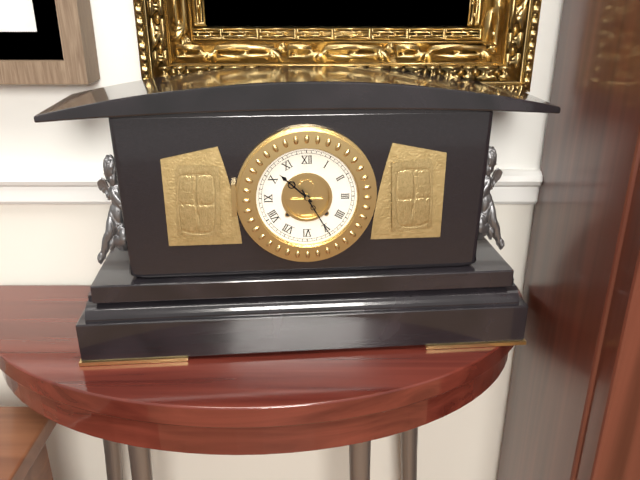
10:25
